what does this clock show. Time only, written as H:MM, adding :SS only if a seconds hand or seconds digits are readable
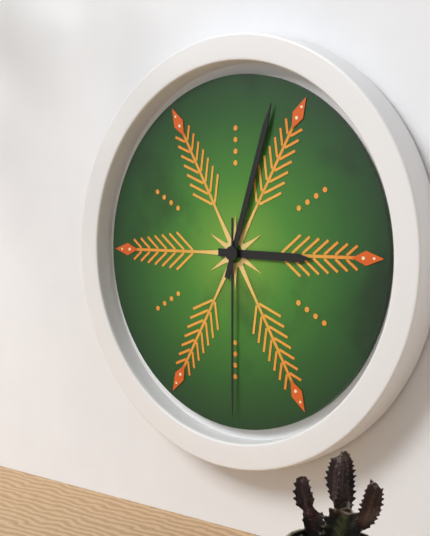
3:03:30
